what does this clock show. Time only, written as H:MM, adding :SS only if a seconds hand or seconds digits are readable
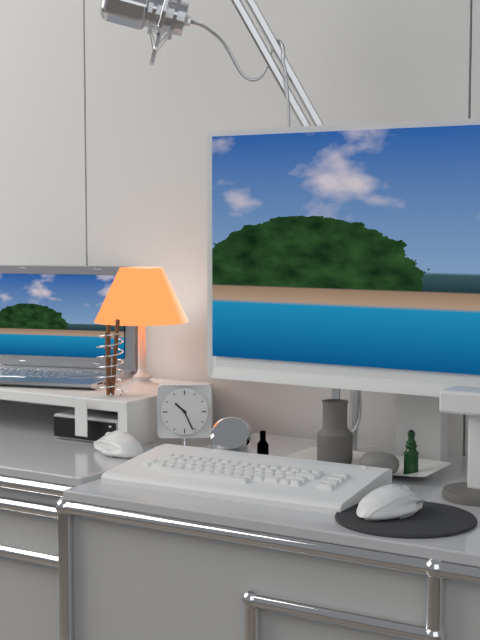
10:26
